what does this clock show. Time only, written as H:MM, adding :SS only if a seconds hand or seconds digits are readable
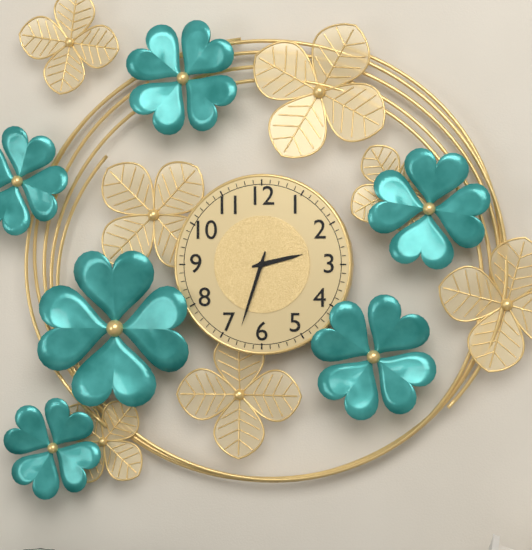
2:33
